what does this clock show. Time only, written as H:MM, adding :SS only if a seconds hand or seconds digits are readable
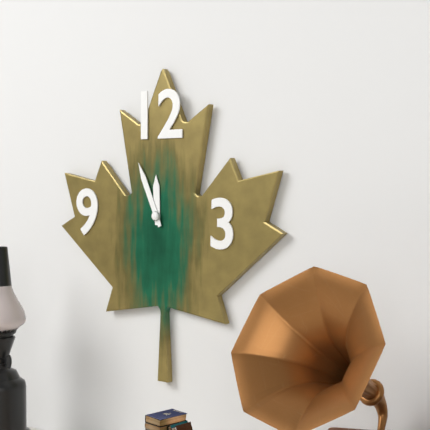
11:56
